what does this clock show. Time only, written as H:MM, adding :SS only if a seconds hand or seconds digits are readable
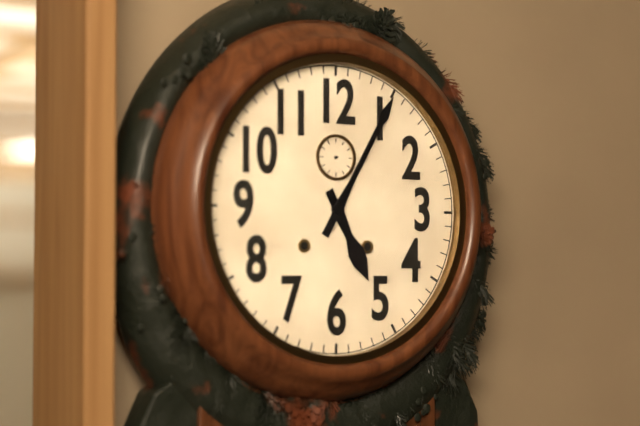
5:05
